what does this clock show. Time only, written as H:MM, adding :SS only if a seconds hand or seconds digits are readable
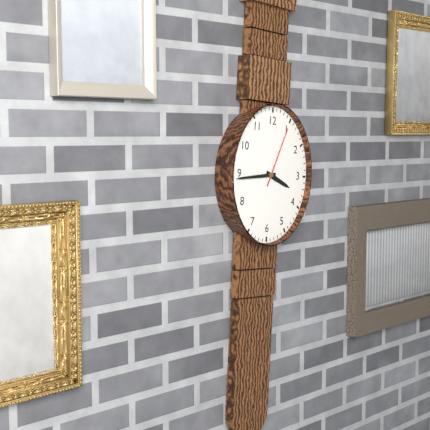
3:44:04
